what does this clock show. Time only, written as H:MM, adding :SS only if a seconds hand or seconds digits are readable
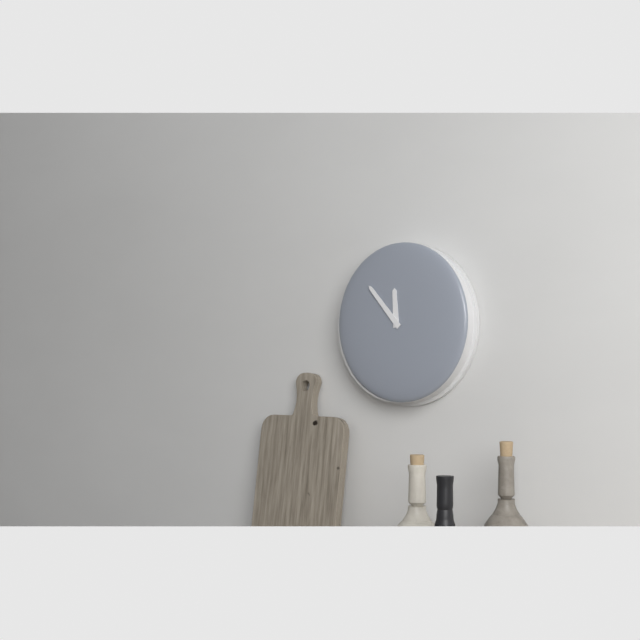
11:53
